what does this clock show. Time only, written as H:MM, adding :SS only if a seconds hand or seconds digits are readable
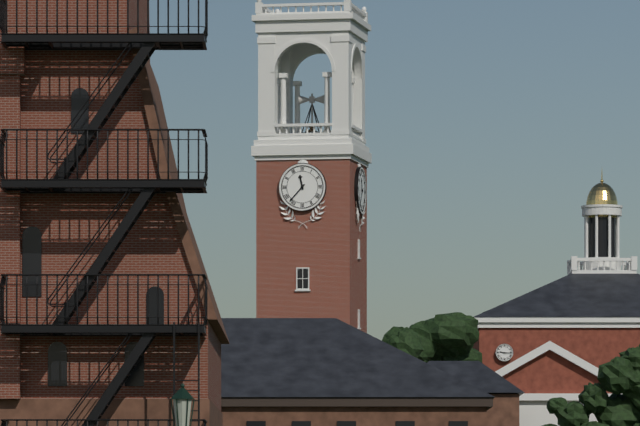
11:37
